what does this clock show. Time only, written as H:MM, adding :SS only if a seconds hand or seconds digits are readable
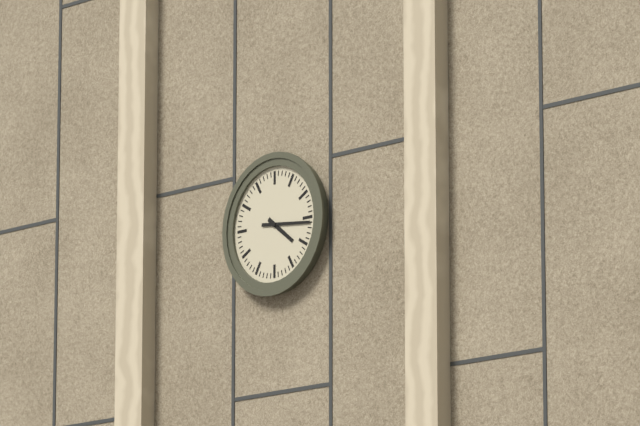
4:16
